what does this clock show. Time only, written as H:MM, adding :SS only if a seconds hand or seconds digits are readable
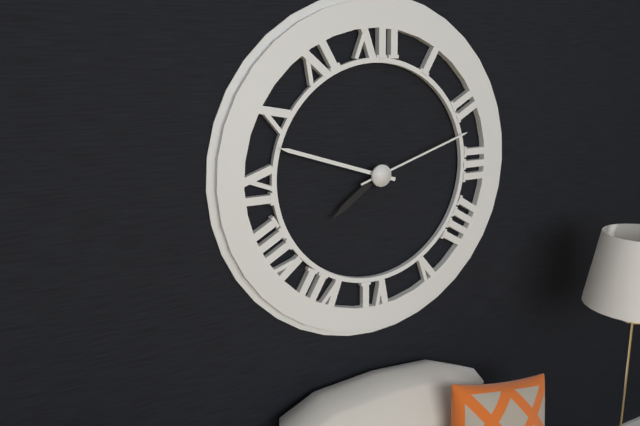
7:48:12
